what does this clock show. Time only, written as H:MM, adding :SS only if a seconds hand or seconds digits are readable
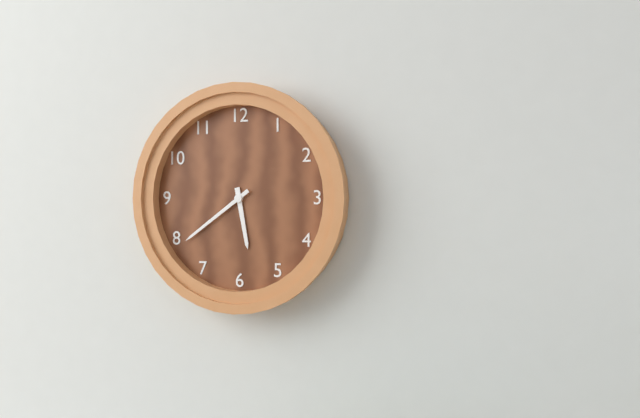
5:39
